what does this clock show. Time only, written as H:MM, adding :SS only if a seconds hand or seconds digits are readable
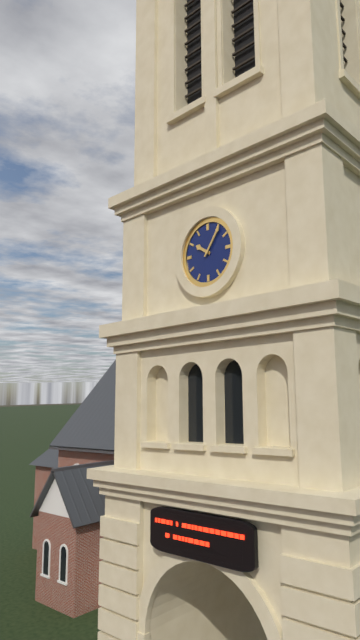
10:06
